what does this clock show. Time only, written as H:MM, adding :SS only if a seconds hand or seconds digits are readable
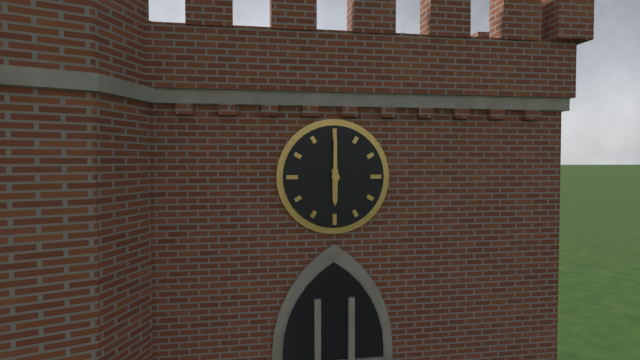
6:00
